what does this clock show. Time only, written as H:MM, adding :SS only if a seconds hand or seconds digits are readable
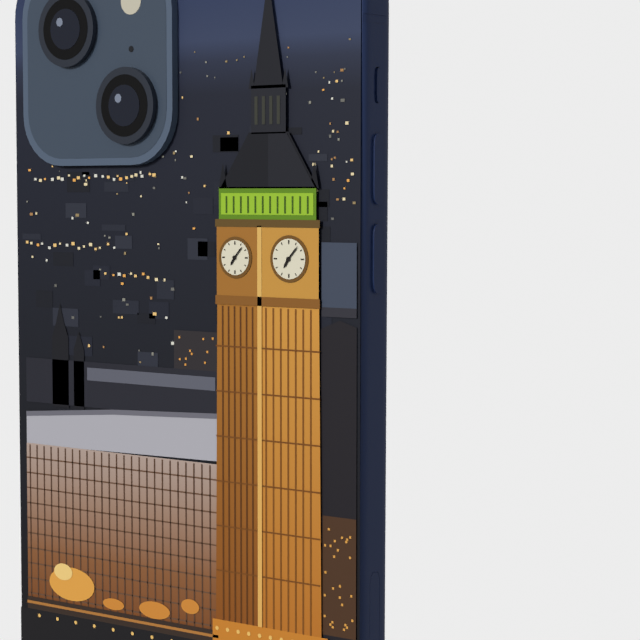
7:07
